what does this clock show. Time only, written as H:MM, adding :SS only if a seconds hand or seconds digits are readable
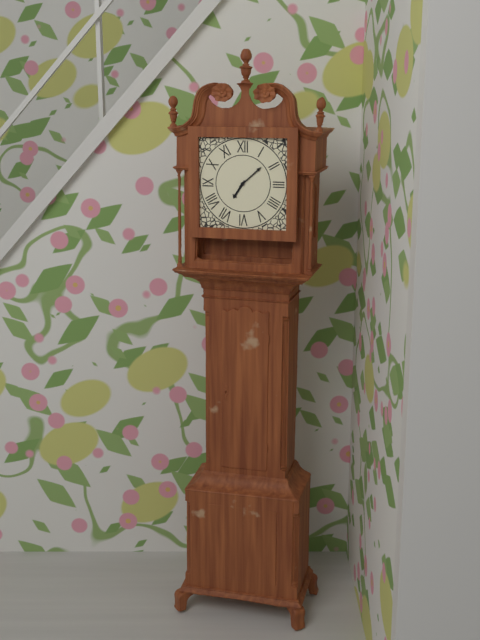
7:08
